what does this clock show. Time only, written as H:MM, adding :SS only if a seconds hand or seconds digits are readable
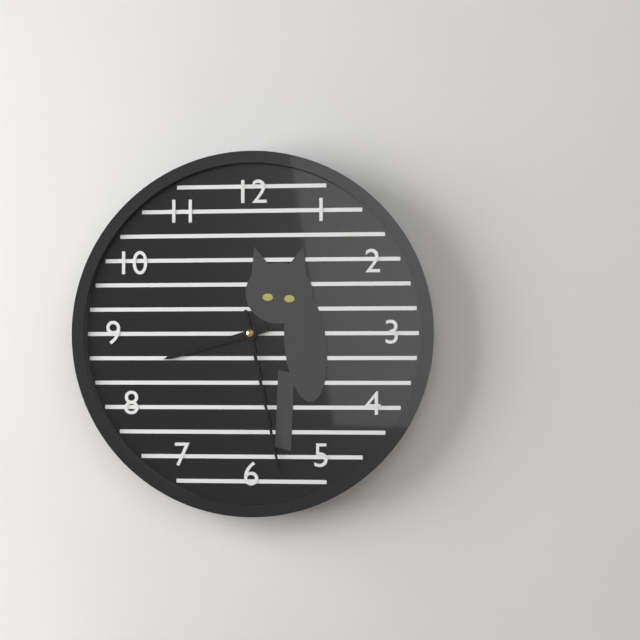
8:28
